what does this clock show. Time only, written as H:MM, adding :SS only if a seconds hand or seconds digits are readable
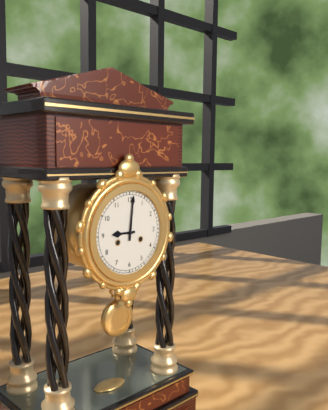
9:01
